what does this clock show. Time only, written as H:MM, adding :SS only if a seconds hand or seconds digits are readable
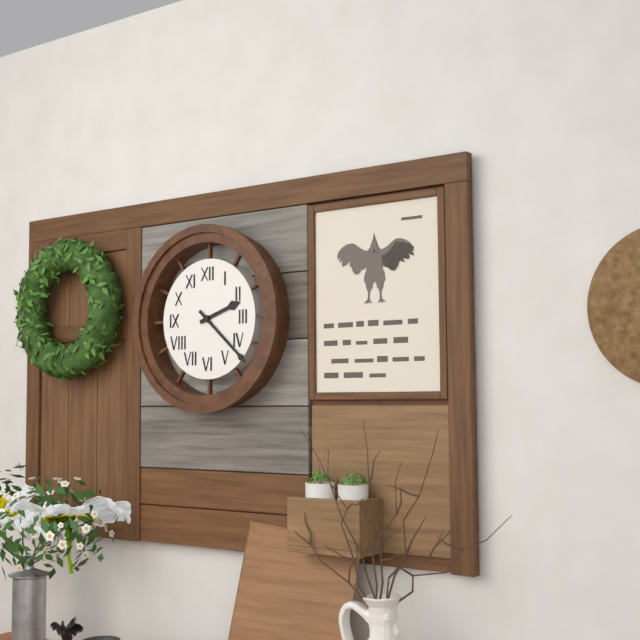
2:22
